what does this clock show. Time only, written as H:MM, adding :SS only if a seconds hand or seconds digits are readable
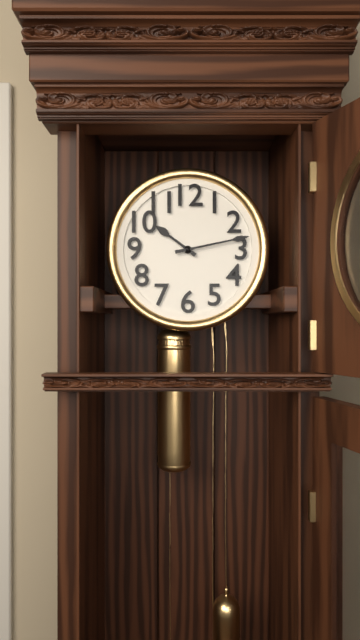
10:13
